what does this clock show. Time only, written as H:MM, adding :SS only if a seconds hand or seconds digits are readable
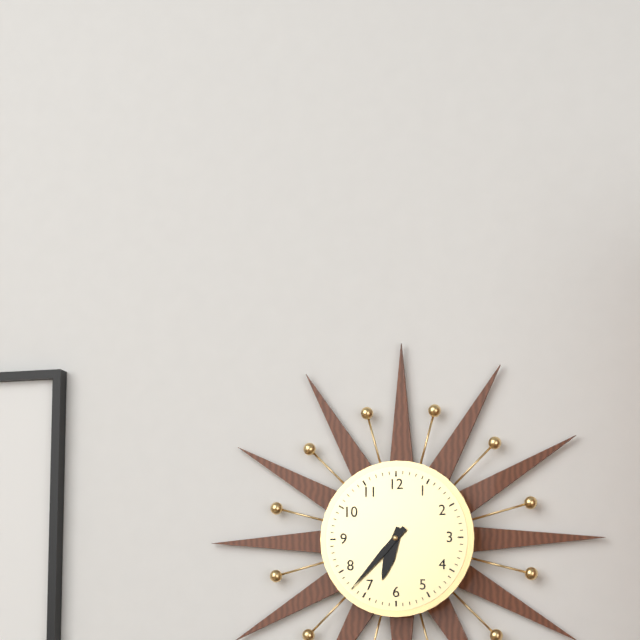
6:37
